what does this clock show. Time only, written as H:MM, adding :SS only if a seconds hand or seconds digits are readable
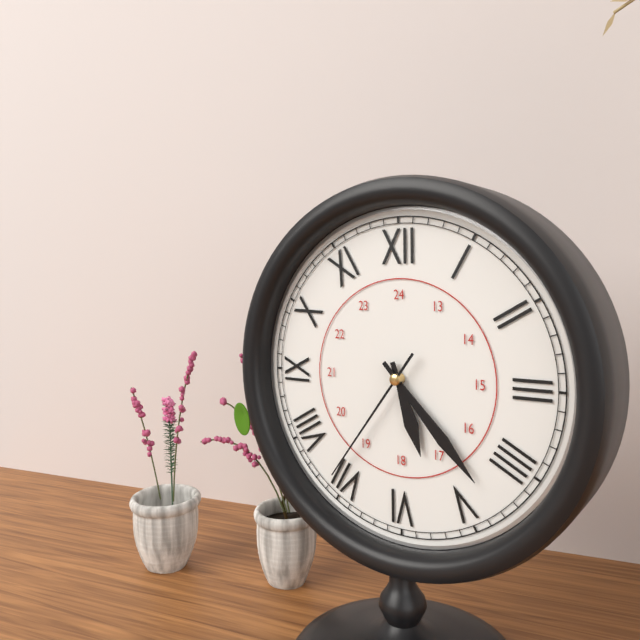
5:23:36
